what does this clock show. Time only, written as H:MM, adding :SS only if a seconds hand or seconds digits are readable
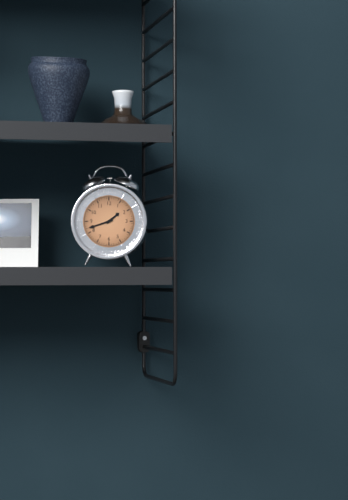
1:42
